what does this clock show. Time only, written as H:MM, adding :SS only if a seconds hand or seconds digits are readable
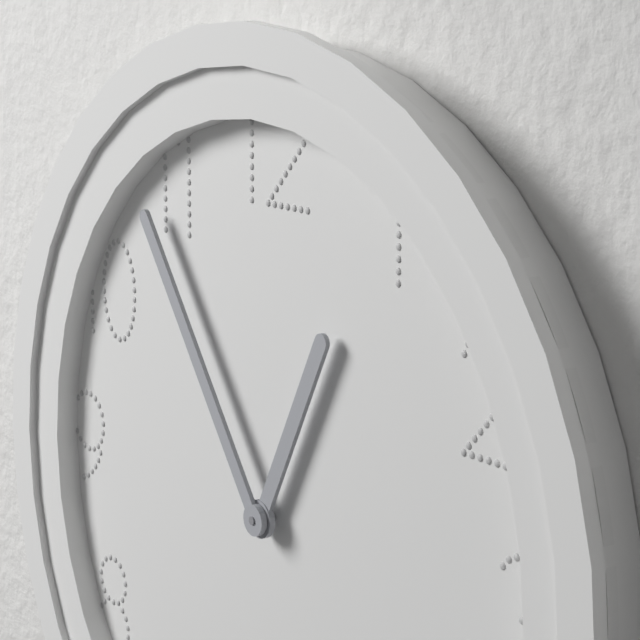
12:54
